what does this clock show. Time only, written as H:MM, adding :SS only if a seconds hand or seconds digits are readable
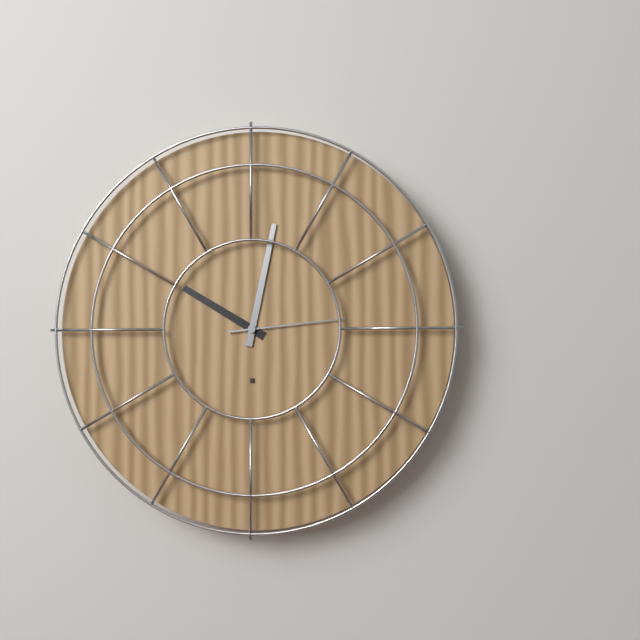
10:02:14
